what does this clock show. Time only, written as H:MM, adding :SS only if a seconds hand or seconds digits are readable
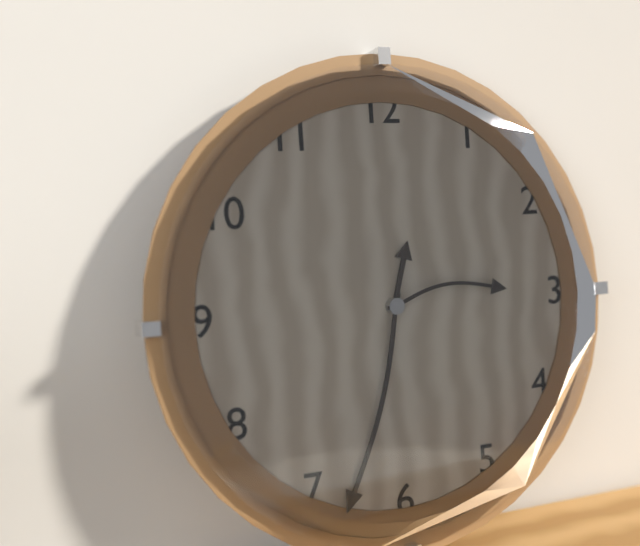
12:33:14
